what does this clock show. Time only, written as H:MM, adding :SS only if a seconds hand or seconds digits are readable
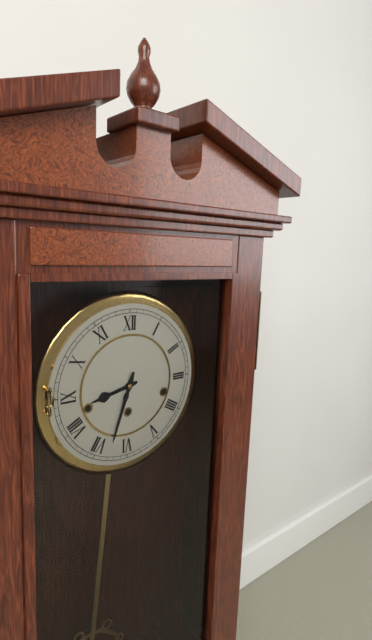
8:33
